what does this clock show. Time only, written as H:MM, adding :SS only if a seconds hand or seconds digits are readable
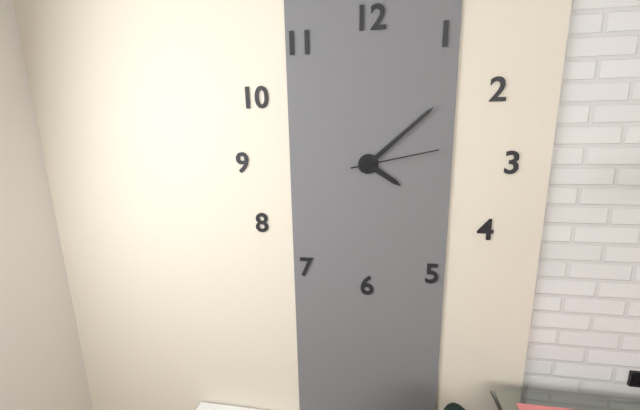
4:08:13
